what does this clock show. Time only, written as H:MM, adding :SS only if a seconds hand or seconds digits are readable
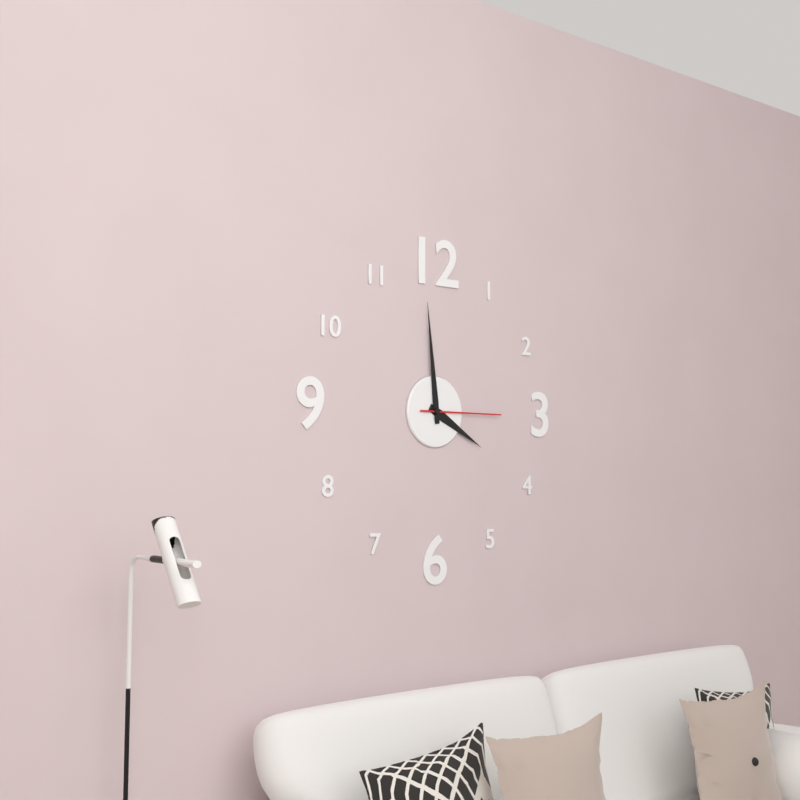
3:59:15
